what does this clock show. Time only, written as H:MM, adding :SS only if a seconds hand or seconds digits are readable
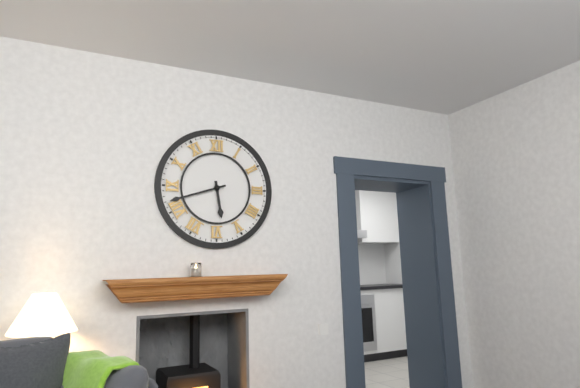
5:42
